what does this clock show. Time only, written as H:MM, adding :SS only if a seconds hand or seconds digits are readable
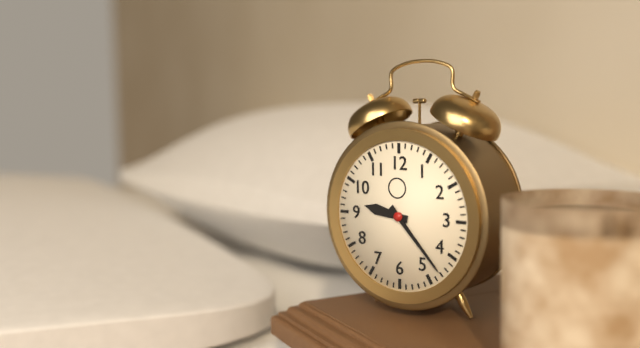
9:23
